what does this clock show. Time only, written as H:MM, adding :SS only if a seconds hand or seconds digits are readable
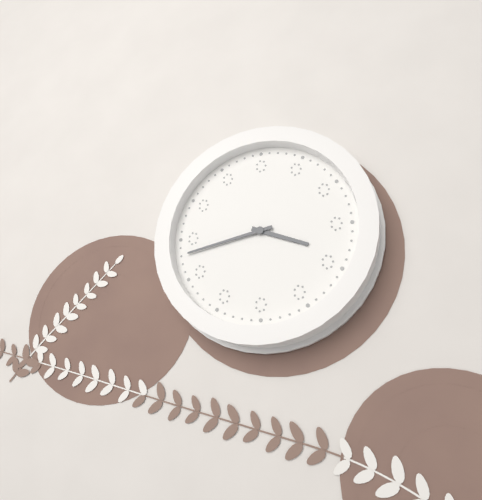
3:43
